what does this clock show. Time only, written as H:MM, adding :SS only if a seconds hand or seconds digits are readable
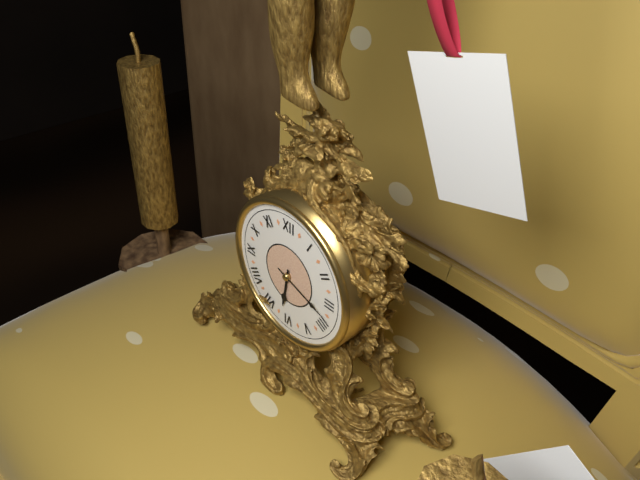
6:18
